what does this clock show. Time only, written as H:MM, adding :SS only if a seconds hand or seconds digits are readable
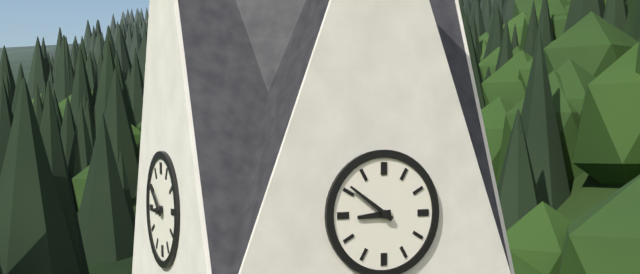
8:51
